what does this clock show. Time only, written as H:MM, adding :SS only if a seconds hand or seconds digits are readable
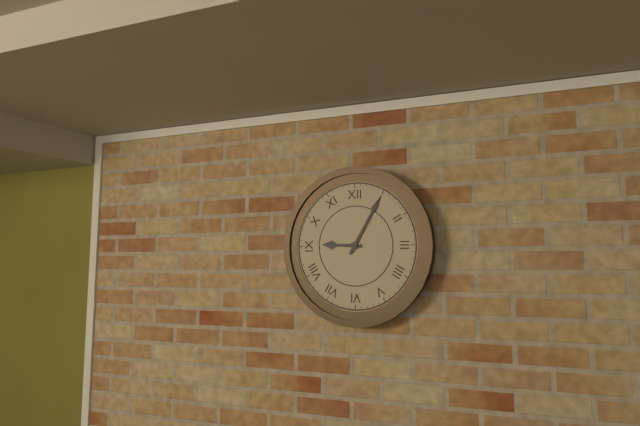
9:05
